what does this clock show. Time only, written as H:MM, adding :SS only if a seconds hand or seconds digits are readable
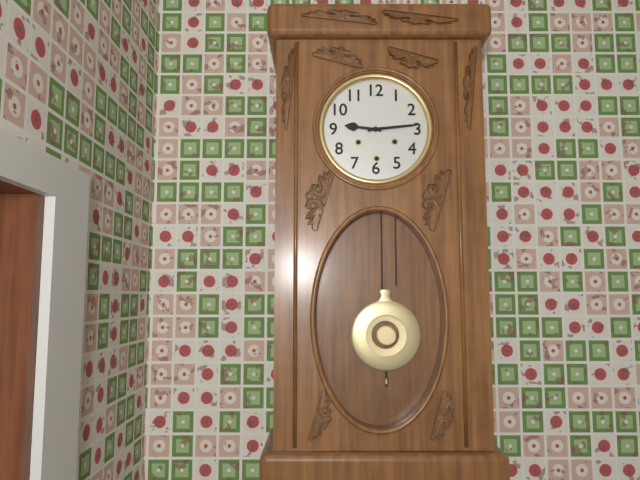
9:14
